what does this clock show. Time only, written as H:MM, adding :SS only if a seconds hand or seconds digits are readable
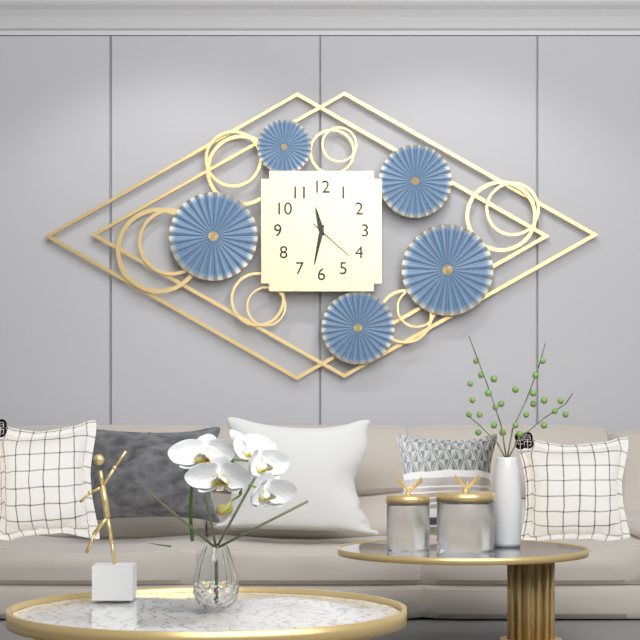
11:32
